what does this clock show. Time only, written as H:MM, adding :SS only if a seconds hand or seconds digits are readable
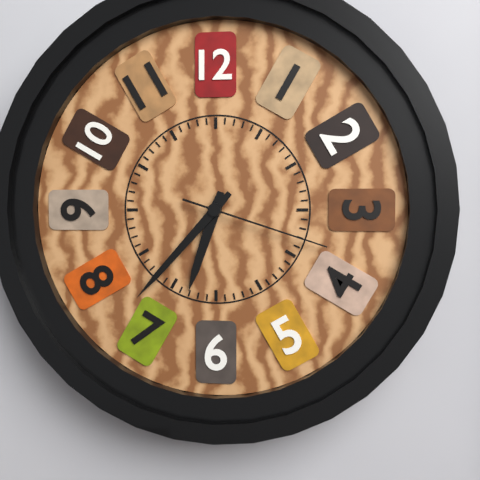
6:37:18
